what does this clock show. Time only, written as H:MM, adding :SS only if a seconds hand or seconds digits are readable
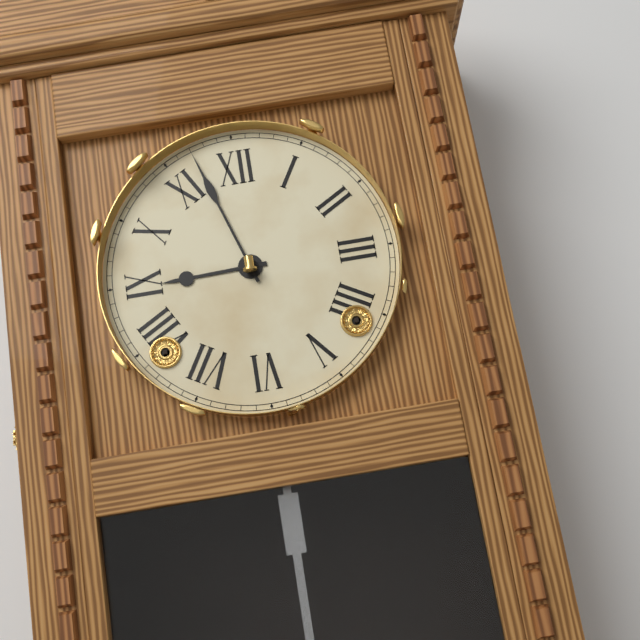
8:57
